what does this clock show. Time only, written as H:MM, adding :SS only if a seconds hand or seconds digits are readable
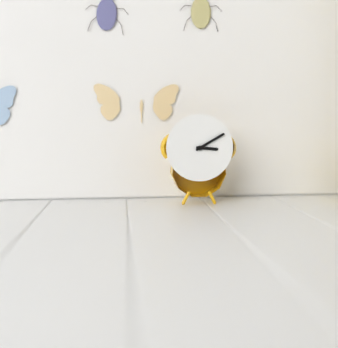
3:10
